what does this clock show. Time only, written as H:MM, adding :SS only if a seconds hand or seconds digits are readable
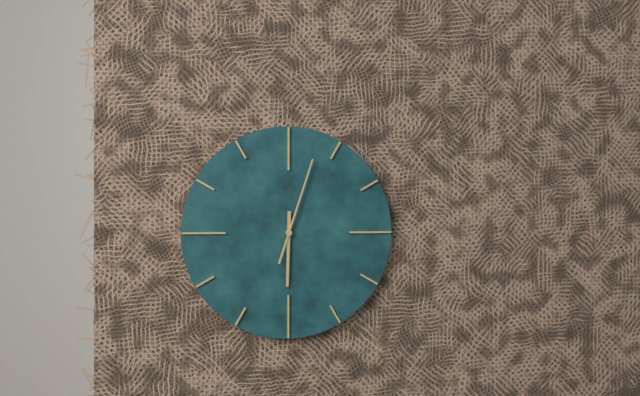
6:03
